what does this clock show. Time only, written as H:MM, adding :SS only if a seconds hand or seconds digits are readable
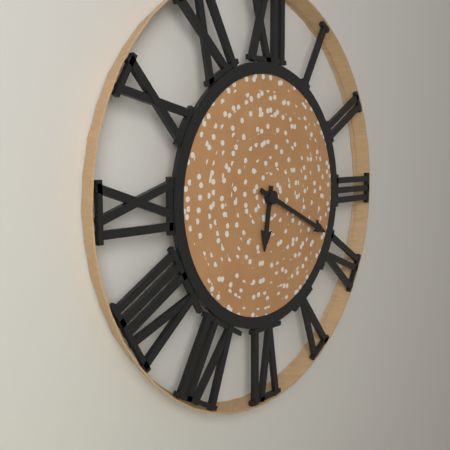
6:19
